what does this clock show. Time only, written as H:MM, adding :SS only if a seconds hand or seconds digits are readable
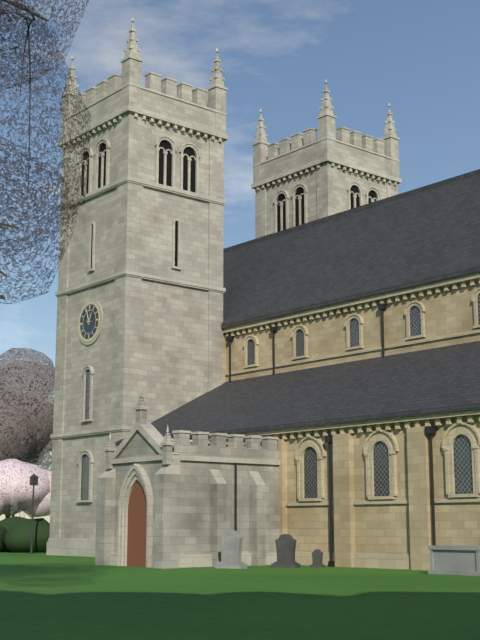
12:57
